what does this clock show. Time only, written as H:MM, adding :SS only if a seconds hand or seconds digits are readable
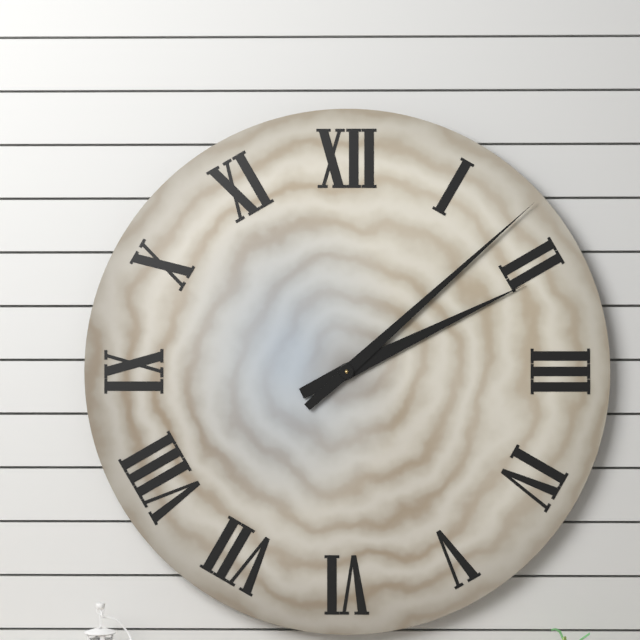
2:08
